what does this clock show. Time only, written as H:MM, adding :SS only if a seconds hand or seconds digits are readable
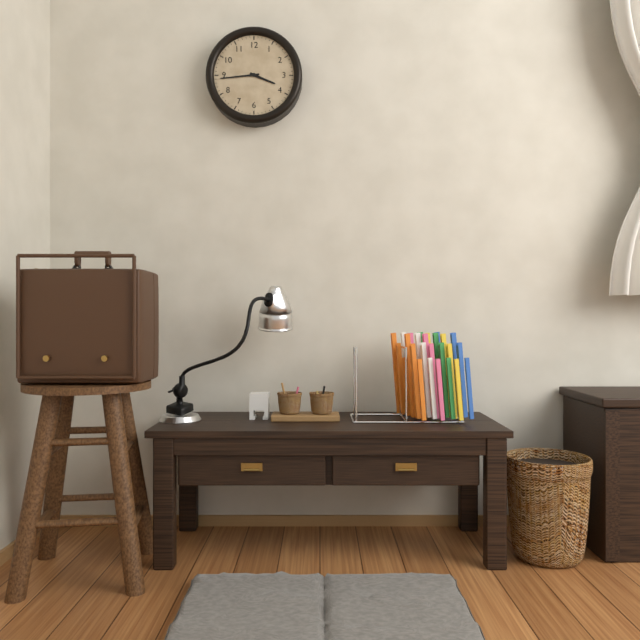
3:44
